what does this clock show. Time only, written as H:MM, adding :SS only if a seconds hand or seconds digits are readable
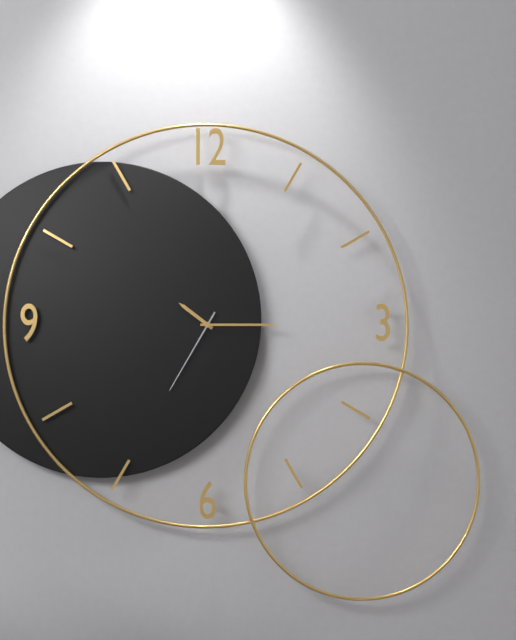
10:15:35
